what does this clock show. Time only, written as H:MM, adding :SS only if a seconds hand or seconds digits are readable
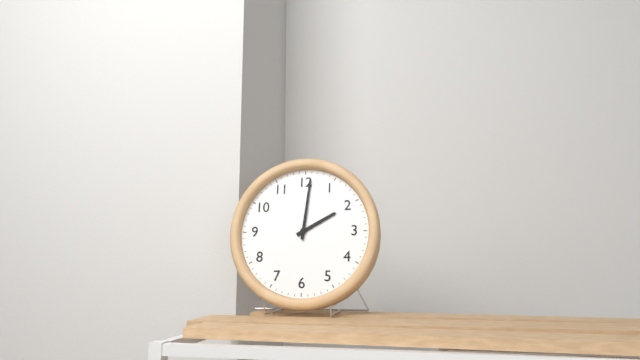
2:01
